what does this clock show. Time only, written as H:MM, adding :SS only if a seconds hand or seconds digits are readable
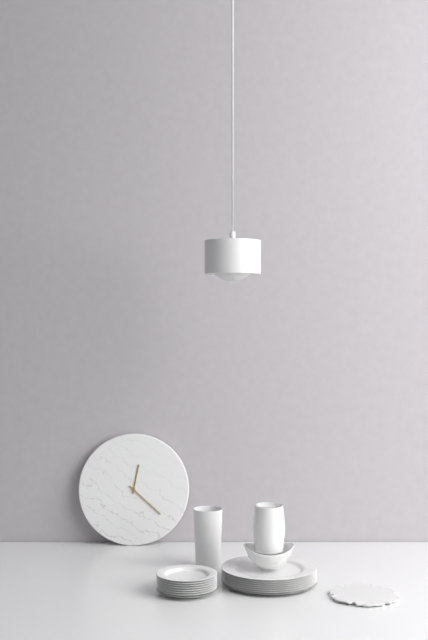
12:22
